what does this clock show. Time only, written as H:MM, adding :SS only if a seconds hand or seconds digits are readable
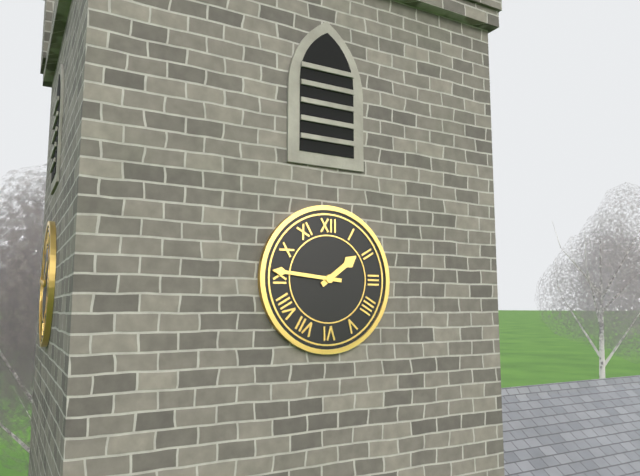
1:46
